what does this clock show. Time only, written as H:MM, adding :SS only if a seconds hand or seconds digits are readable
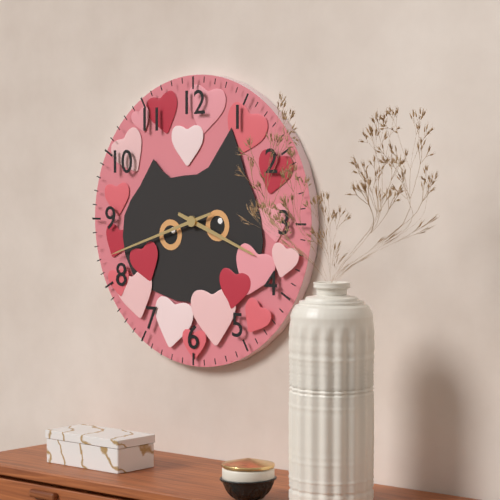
3:42
